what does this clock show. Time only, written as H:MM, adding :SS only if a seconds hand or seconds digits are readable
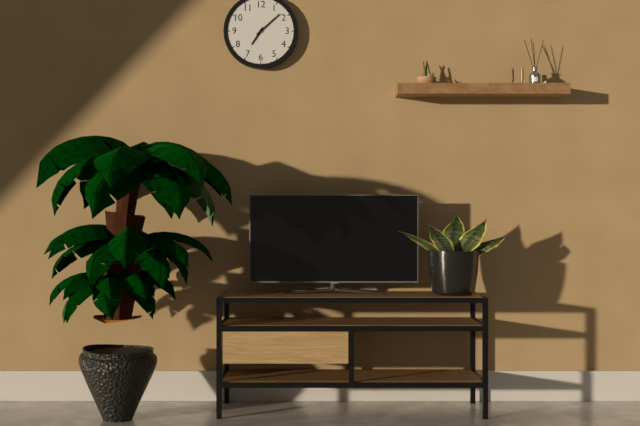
7:08
